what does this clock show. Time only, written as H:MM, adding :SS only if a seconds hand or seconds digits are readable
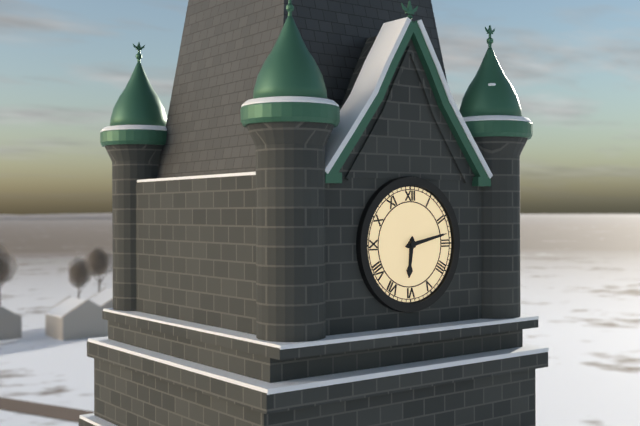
6:13
